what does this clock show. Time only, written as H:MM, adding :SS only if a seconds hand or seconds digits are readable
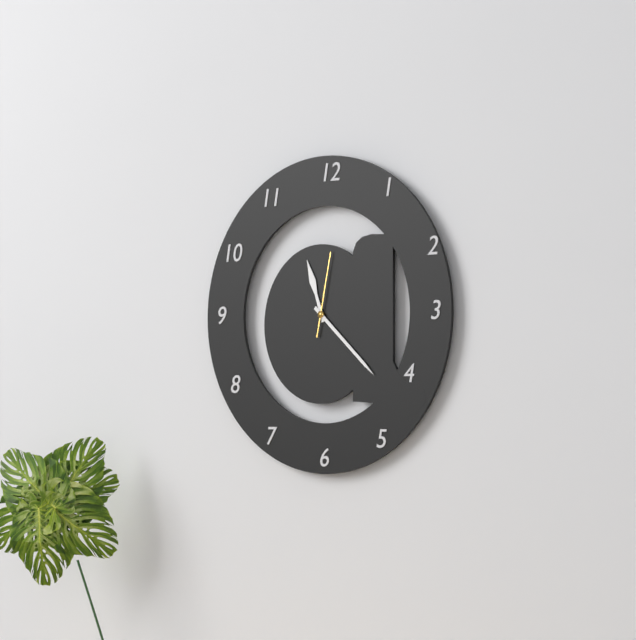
11:22:02
